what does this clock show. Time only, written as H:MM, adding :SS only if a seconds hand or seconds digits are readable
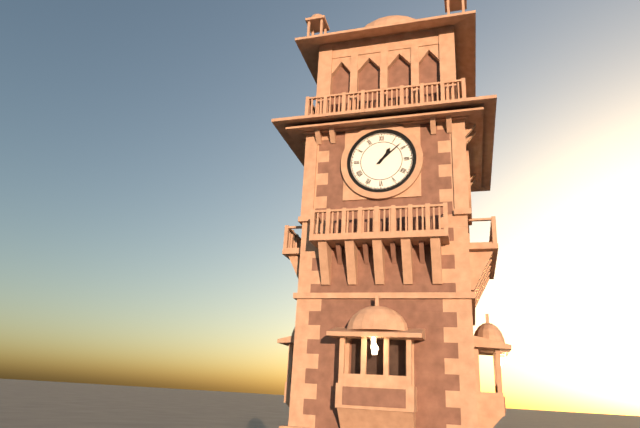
1:08
